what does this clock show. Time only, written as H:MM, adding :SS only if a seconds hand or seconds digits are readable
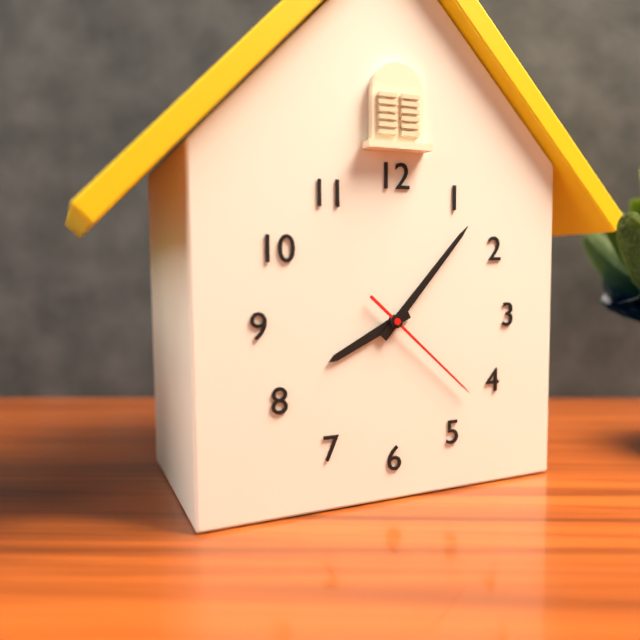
8:07:22
